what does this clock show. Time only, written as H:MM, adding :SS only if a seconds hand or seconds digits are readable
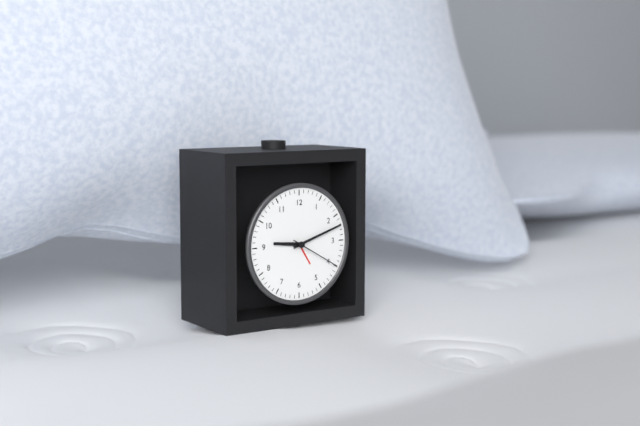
9:12:20
